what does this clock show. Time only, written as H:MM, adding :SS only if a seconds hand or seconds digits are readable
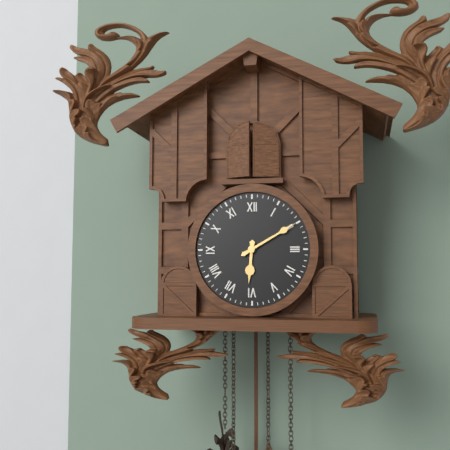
6:10
